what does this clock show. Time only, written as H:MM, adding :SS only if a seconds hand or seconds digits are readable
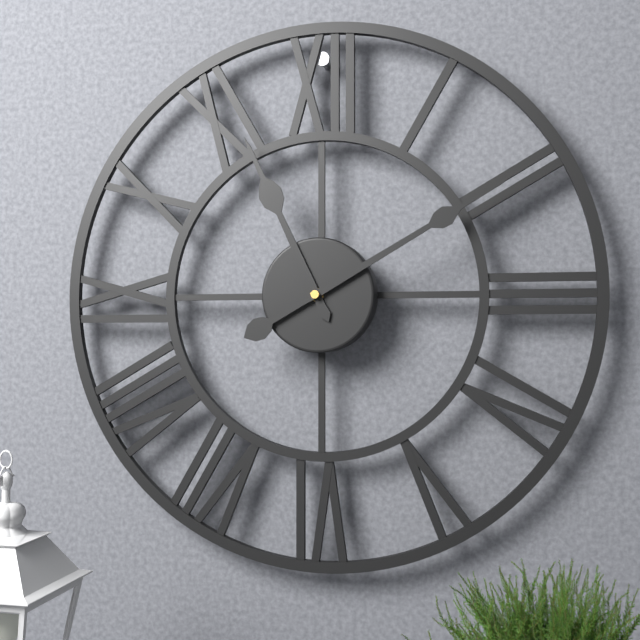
11:10
